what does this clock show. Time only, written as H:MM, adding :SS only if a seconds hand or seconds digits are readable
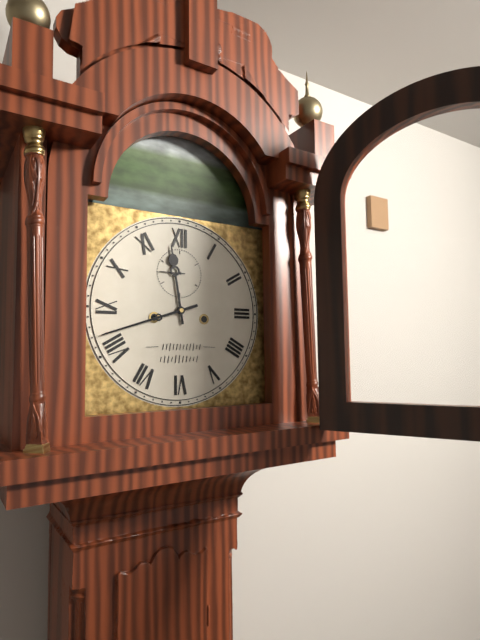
11:42
